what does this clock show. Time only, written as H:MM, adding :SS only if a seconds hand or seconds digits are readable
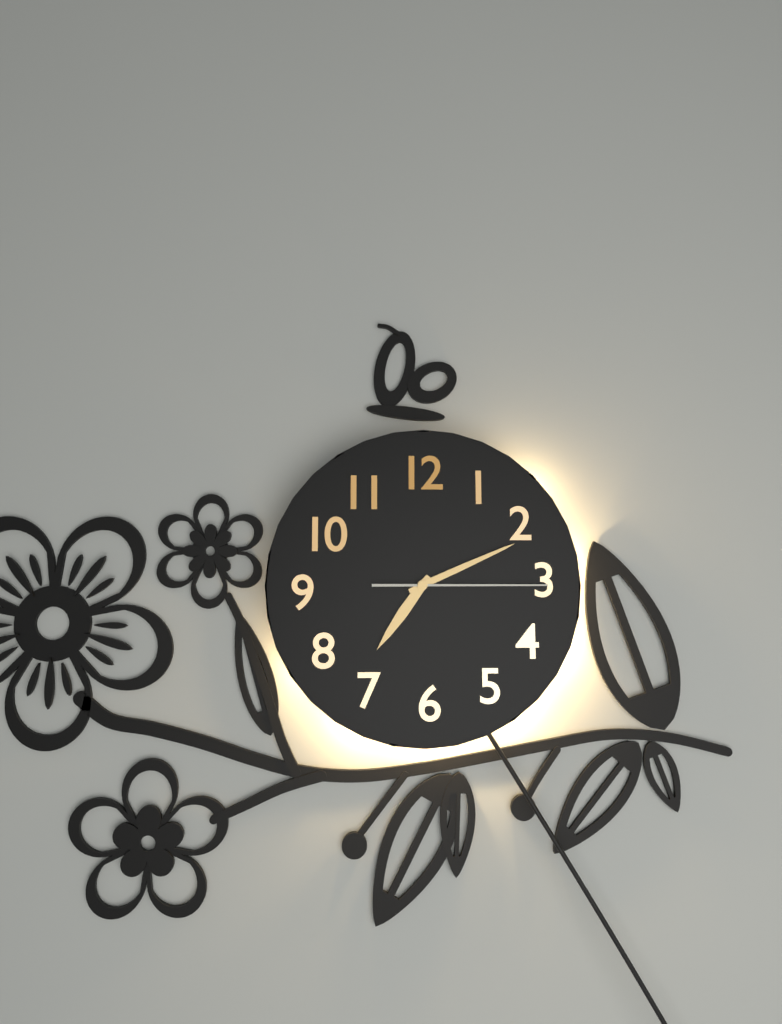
7:11:15
